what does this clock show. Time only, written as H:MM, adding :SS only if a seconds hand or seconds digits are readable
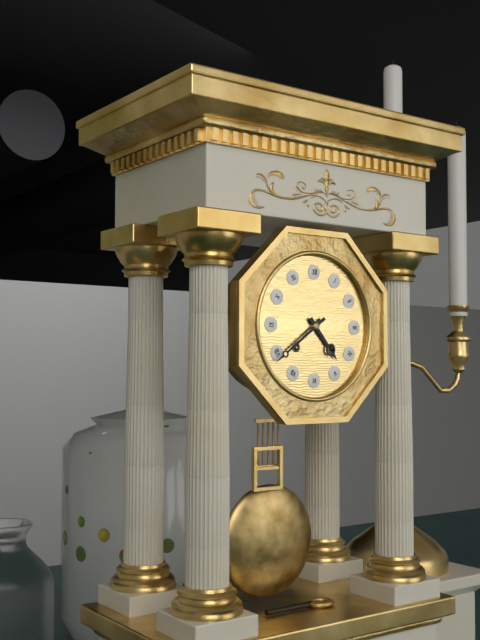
4:39
